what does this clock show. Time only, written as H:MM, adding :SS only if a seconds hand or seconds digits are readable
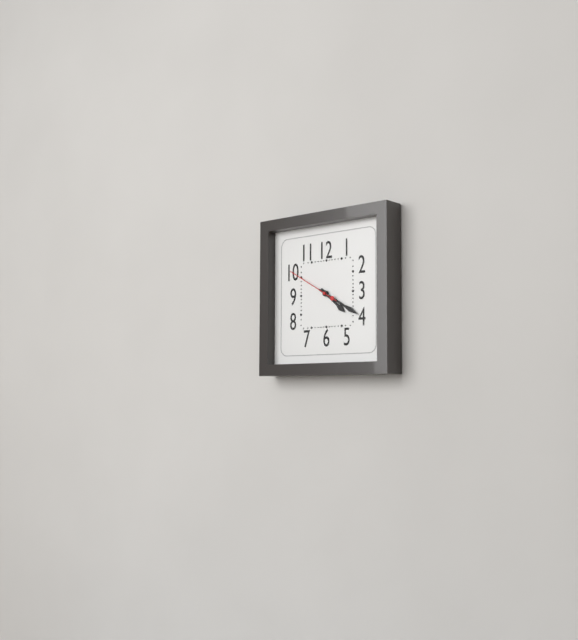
4:20:50
